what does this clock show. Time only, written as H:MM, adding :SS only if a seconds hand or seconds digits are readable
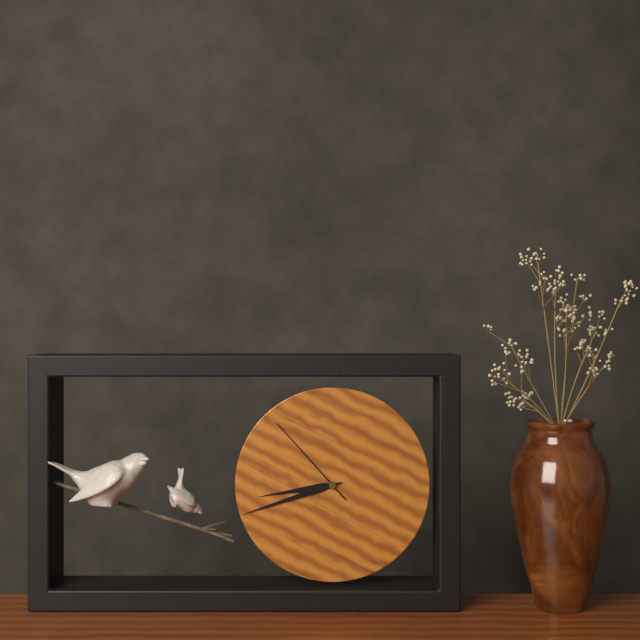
8:42:53
